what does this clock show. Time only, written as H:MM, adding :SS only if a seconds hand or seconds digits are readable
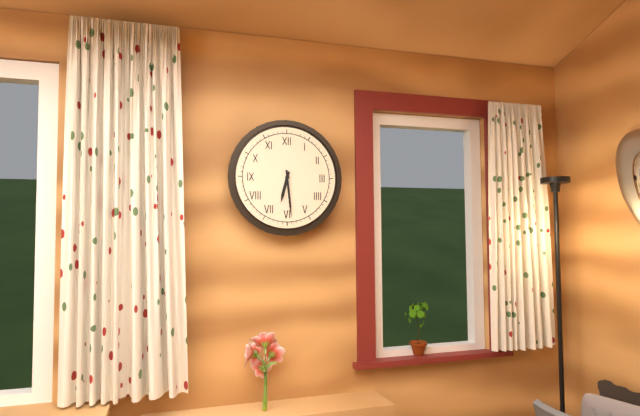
6:29
